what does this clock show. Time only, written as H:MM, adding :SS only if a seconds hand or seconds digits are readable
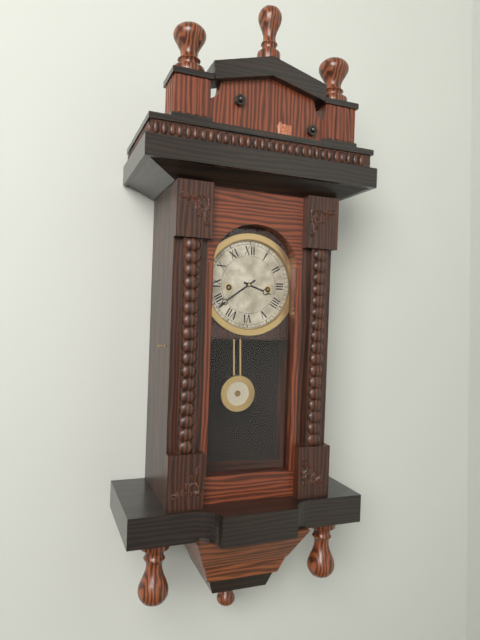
3:39
